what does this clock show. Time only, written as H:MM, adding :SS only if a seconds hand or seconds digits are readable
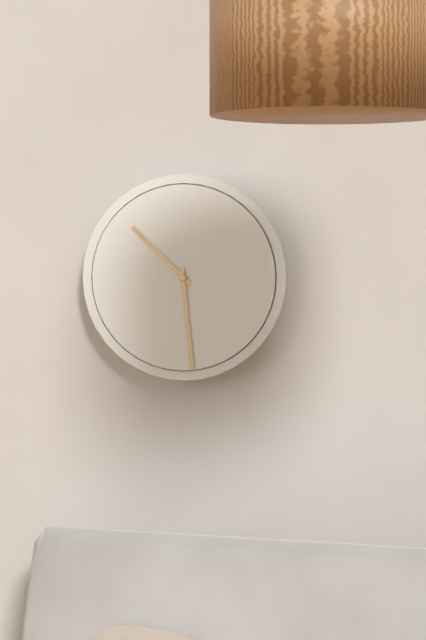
10:29
